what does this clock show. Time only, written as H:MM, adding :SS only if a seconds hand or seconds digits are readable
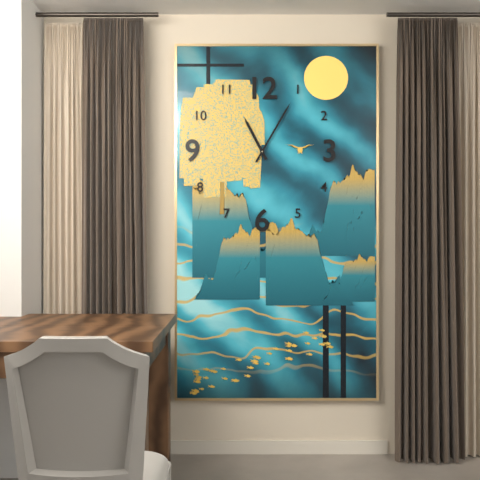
11:05
